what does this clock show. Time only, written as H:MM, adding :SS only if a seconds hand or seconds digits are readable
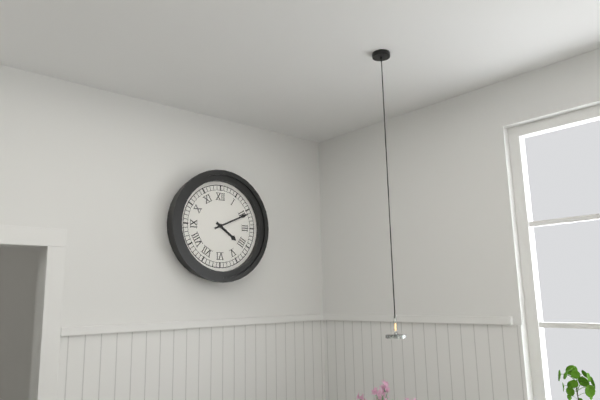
4:11
